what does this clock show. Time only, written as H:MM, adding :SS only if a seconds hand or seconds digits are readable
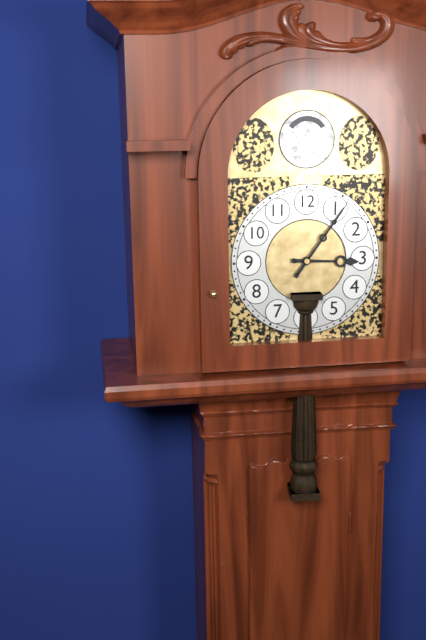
3:06
